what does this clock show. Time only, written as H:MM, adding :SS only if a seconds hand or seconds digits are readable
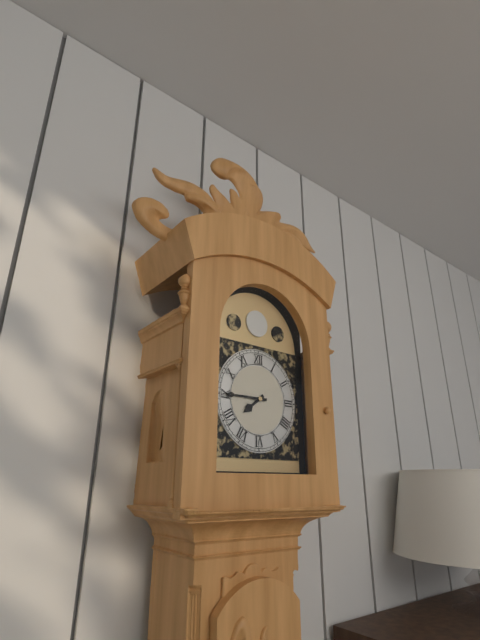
7:45
